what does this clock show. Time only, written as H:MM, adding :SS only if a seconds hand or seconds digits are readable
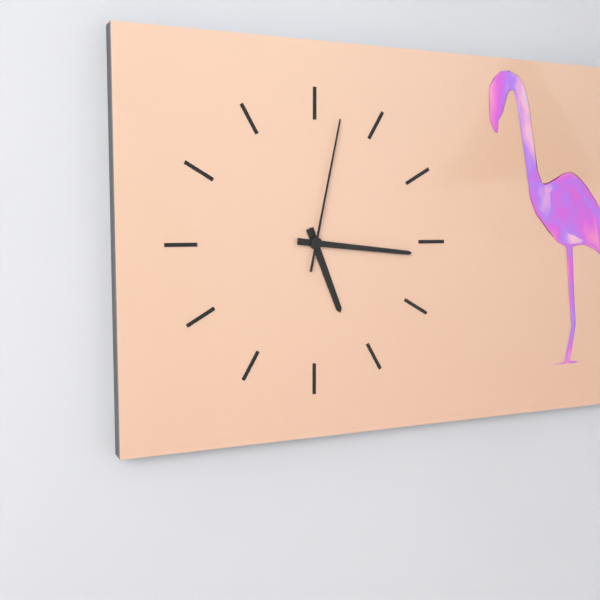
5:16:02
